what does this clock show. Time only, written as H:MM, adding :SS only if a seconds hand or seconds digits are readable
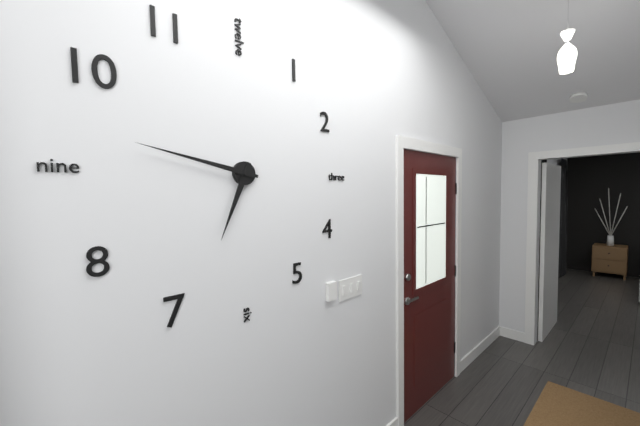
6:47
